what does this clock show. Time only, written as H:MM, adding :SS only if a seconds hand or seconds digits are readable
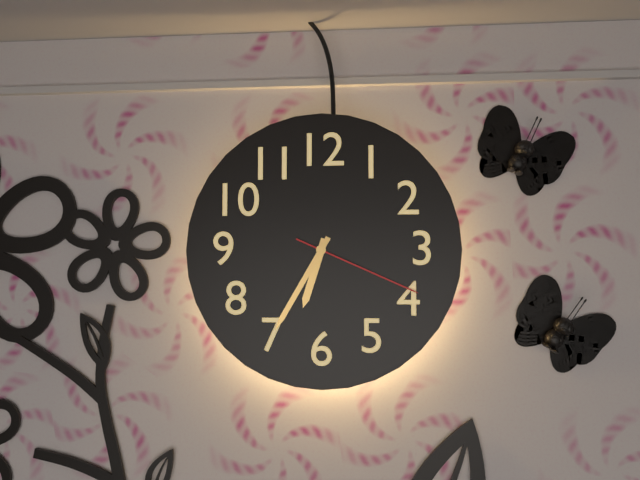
6:35:19
